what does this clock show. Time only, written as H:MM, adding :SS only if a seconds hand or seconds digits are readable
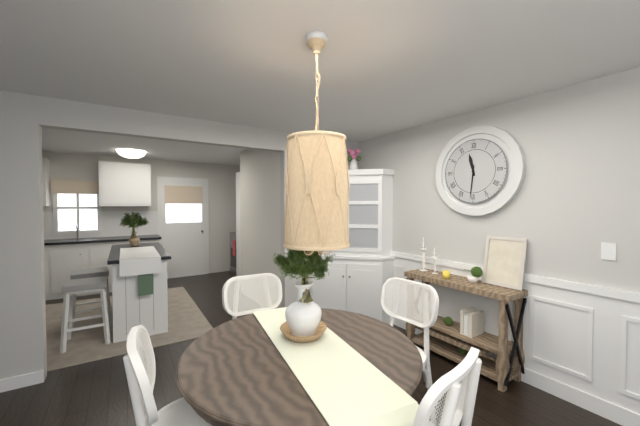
11:31
